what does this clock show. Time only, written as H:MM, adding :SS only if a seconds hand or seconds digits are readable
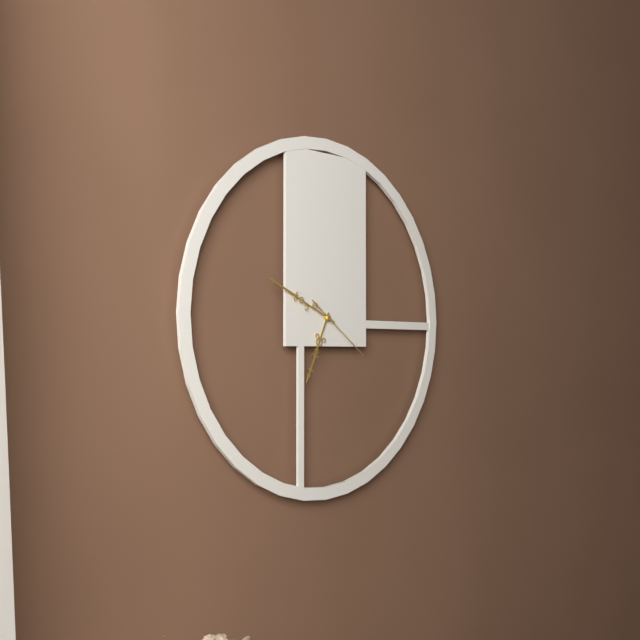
6:49:21
